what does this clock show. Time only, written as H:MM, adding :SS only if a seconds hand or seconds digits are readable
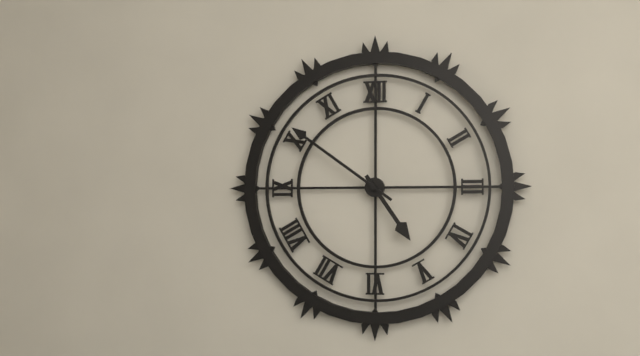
4:51
